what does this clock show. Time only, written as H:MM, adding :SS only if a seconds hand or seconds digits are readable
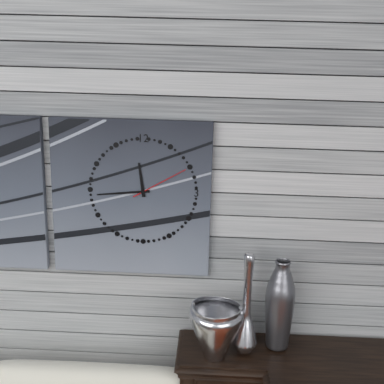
11:44:10
